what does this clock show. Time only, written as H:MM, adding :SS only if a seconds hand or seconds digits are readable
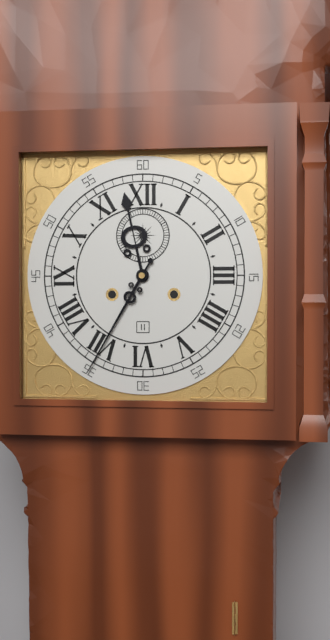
11:35
